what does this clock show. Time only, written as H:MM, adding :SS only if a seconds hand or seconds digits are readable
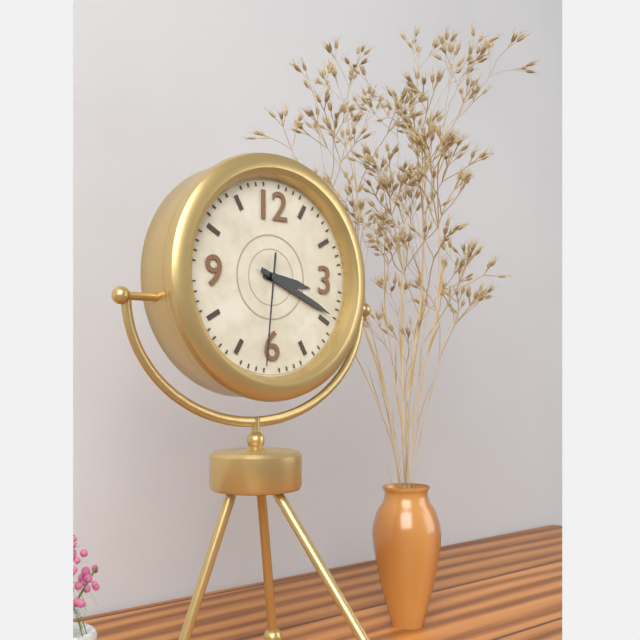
3:19:31
